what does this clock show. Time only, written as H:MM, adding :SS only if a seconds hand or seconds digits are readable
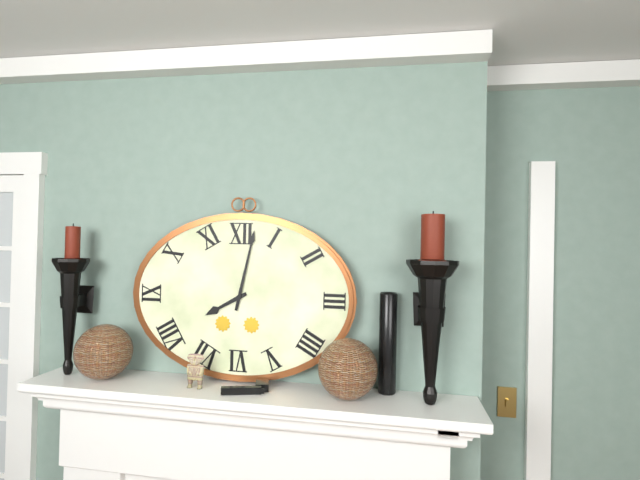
8:02
